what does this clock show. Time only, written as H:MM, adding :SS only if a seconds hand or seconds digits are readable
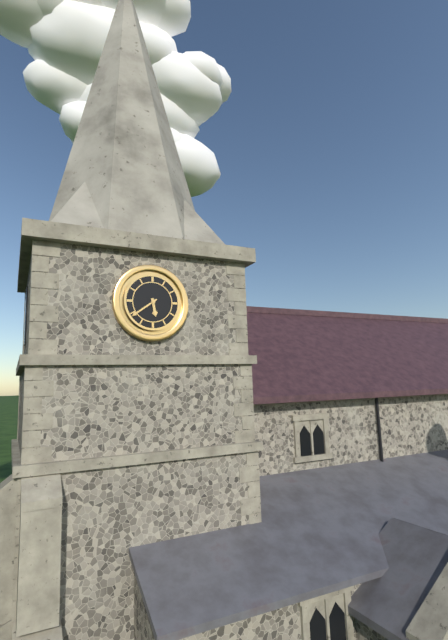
5:39
